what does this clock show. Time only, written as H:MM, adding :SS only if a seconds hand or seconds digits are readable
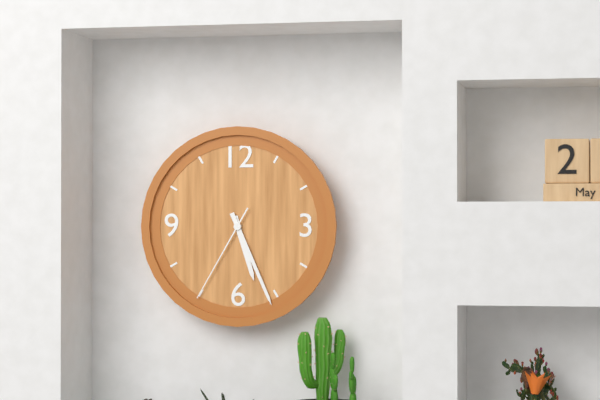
5:26:35
